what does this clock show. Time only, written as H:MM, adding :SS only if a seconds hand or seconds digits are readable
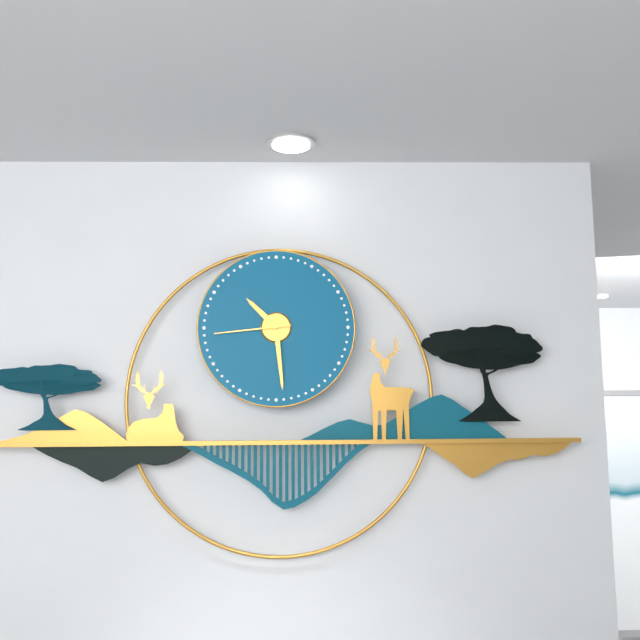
10:29:44
